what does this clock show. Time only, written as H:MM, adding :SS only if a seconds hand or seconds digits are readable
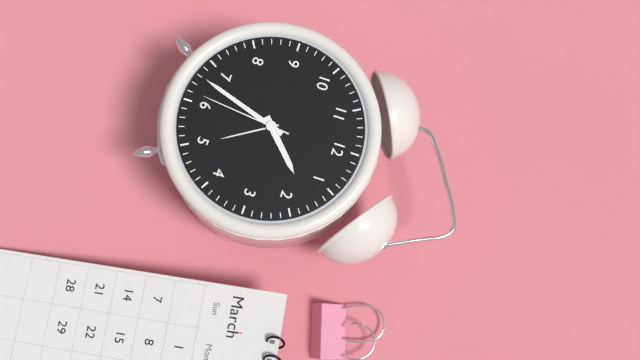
1:33:31
